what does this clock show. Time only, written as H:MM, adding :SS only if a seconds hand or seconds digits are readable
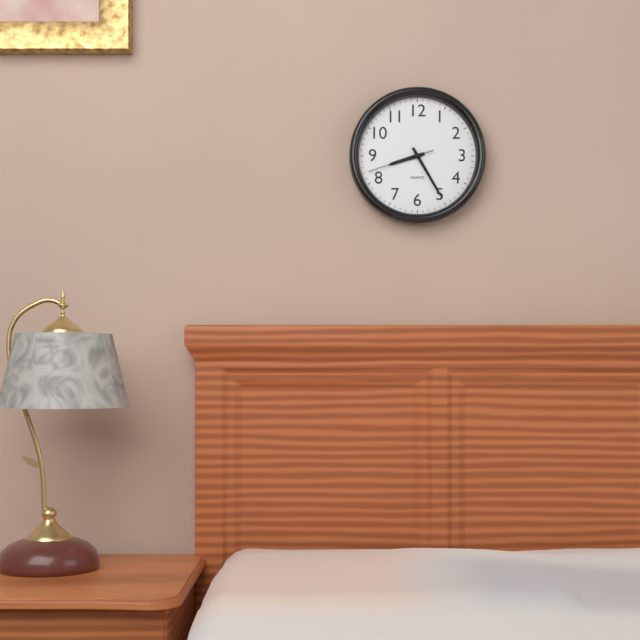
8:25:42
